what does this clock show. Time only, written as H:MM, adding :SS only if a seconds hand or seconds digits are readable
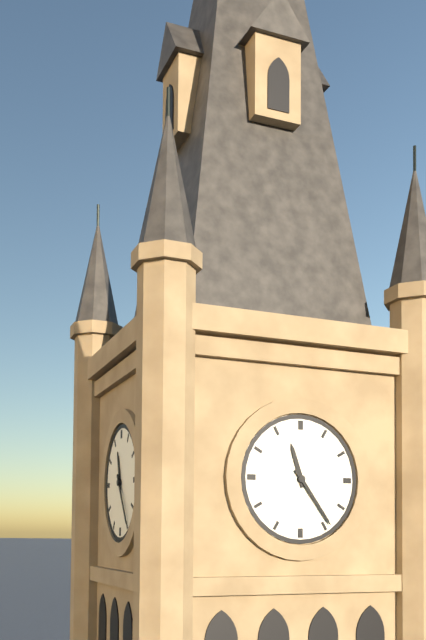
11:24
